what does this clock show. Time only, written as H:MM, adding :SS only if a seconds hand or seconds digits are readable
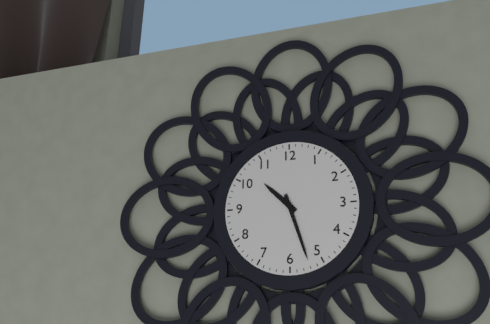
10:27
